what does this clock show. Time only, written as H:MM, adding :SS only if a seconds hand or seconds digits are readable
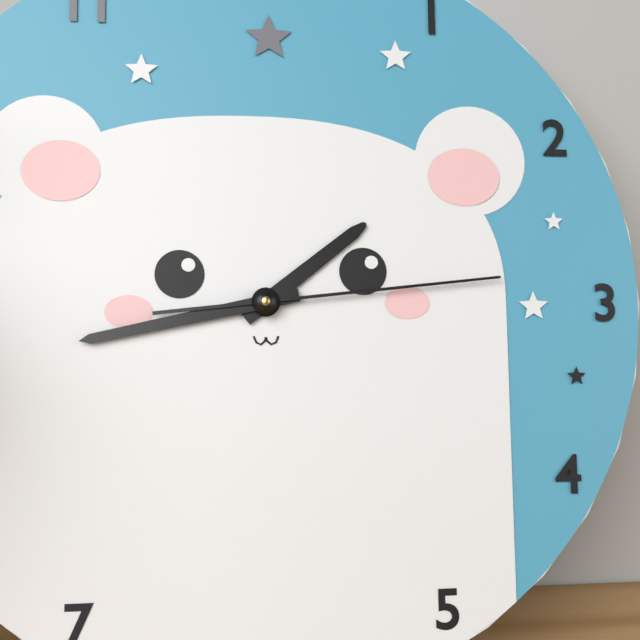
1:43:14
